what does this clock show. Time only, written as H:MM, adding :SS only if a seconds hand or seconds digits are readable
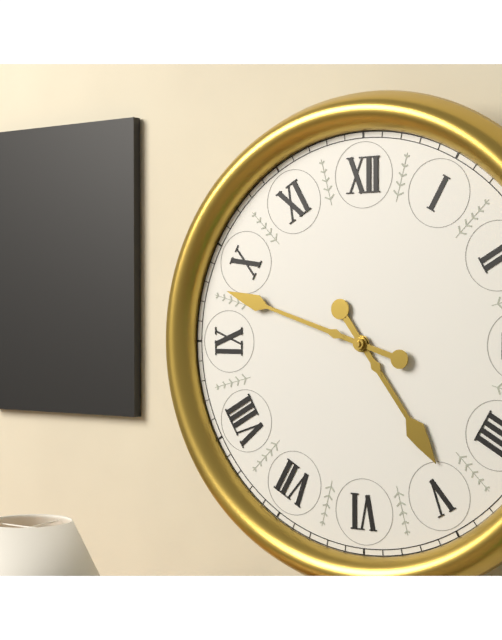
4:48
